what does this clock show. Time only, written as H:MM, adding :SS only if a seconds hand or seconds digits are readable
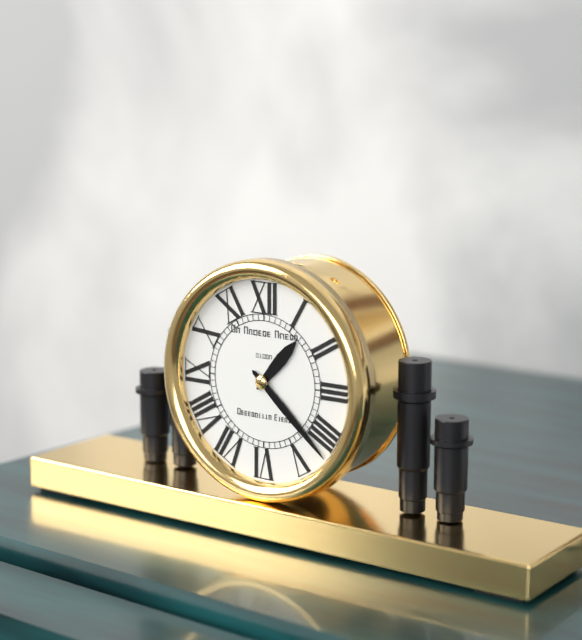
1:22
